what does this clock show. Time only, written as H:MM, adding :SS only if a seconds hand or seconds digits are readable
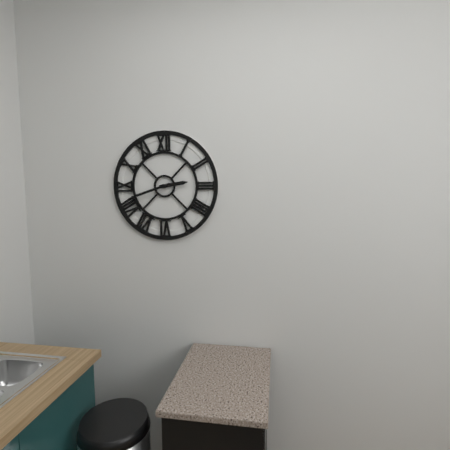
2:42
